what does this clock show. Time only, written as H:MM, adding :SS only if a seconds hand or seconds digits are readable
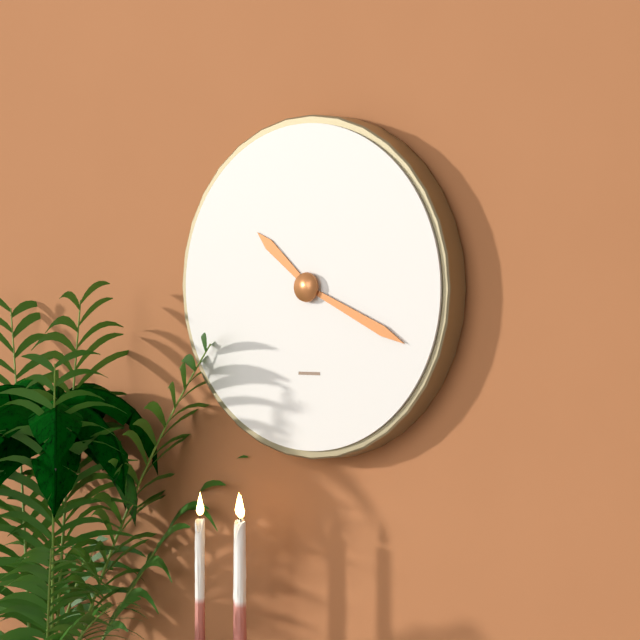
10:19
